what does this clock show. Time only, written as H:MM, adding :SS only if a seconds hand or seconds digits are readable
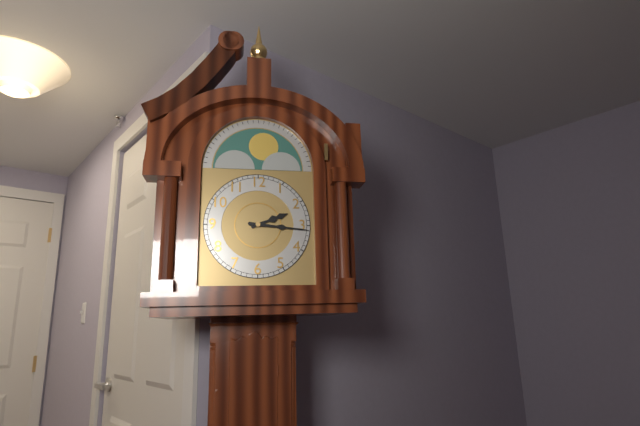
2:16
